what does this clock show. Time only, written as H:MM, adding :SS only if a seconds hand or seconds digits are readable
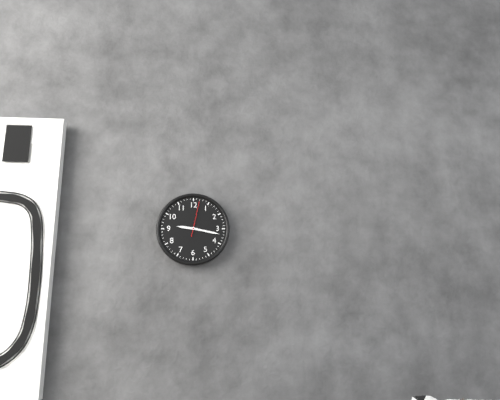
9:17
